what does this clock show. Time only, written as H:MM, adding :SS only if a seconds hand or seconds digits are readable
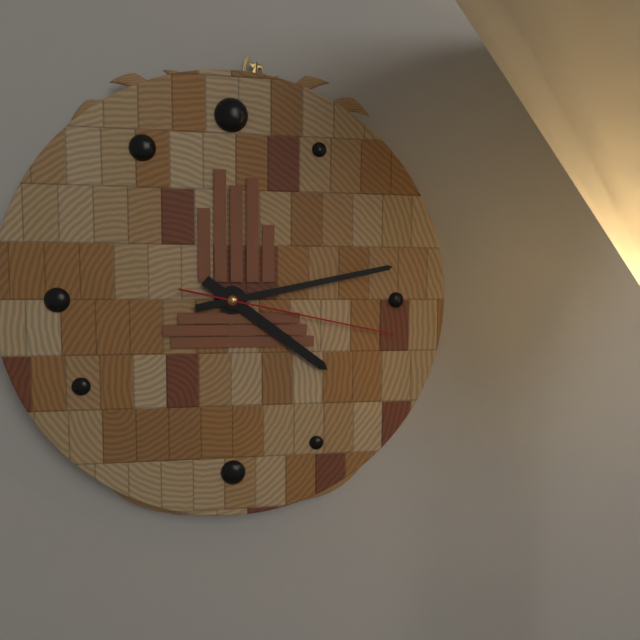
4:13:17
